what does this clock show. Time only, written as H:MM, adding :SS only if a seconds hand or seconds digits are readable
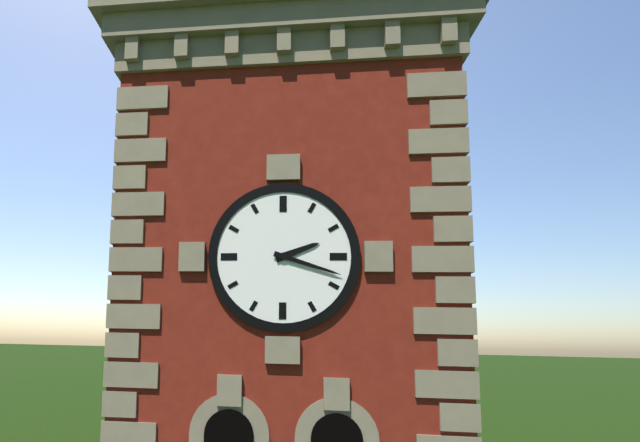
2:18
